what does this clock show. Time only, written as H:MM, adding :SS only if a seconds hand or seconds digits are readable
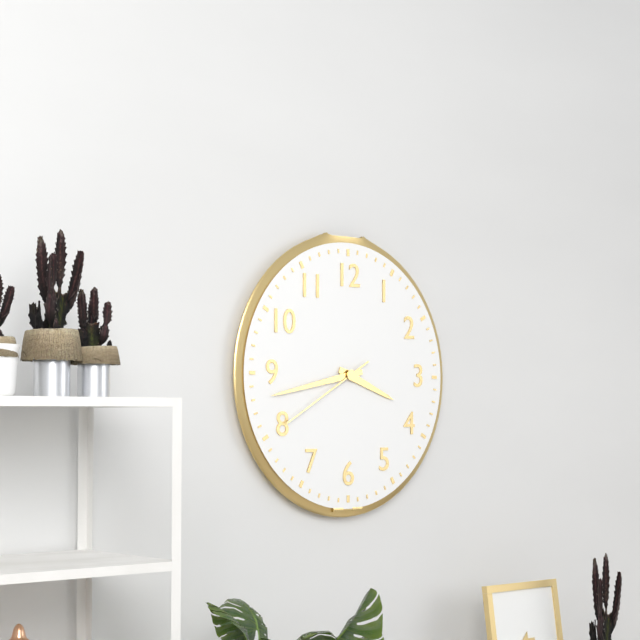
3:43:40
